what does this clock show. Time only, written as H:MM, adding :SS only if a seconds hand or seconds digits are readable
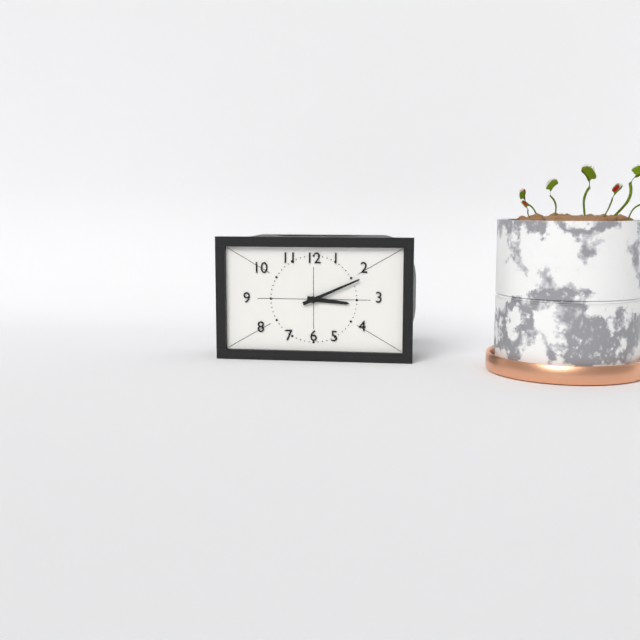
3:11
